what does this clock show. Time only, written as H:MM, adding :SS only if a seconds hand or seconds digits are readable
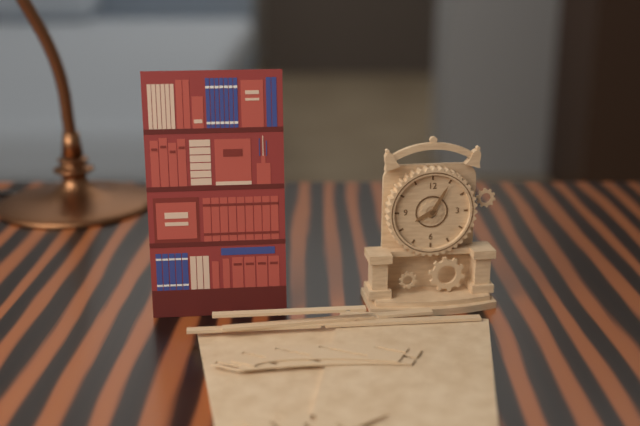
8:05
